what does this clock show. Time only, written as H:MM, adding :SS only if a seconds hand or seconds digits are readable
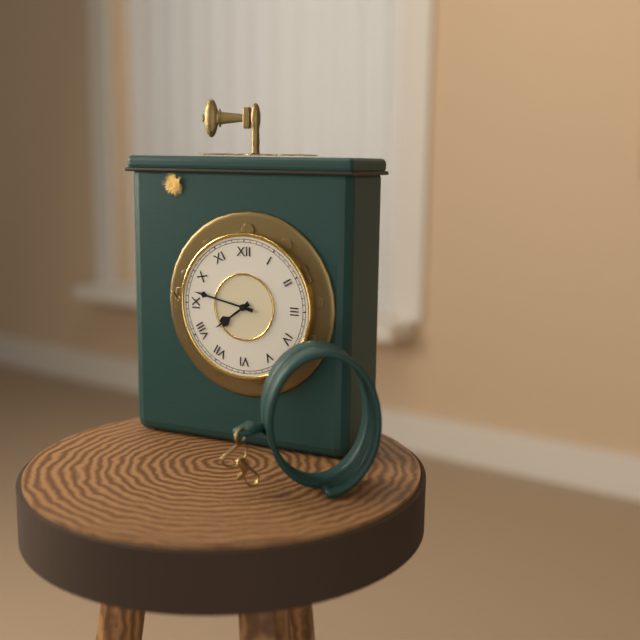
7:47
